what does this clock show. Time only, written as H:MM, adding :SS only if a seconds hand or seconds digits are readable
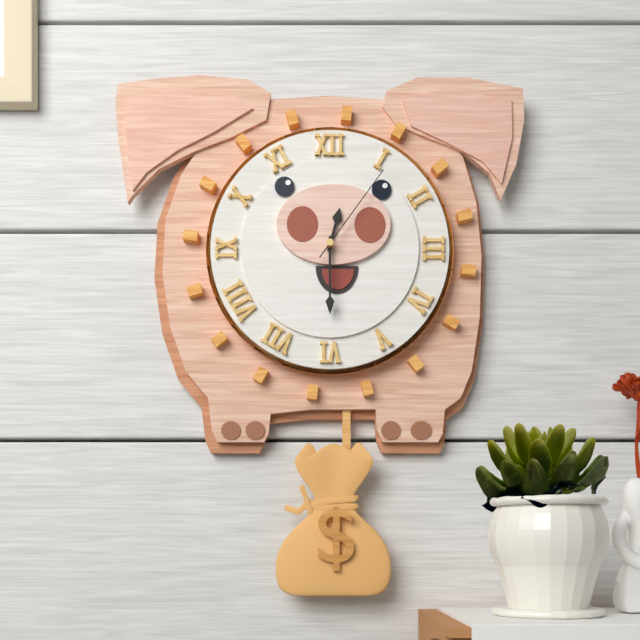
12:30:06
